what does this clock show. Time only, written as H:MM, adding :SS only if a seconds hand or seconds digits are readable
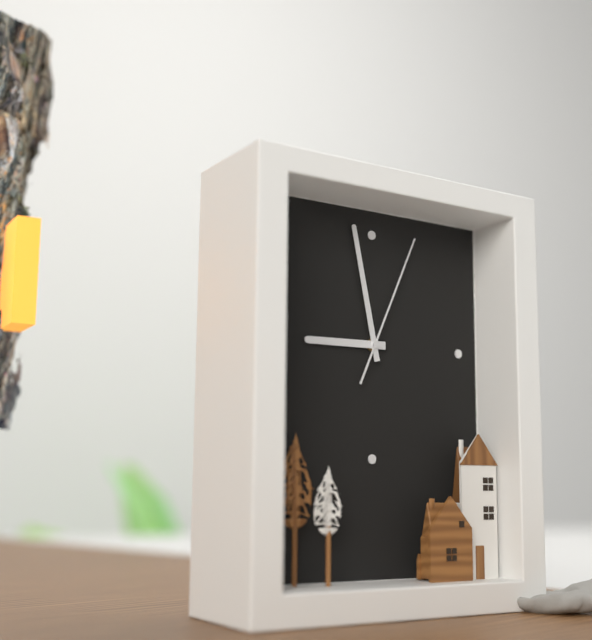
8:58:04
